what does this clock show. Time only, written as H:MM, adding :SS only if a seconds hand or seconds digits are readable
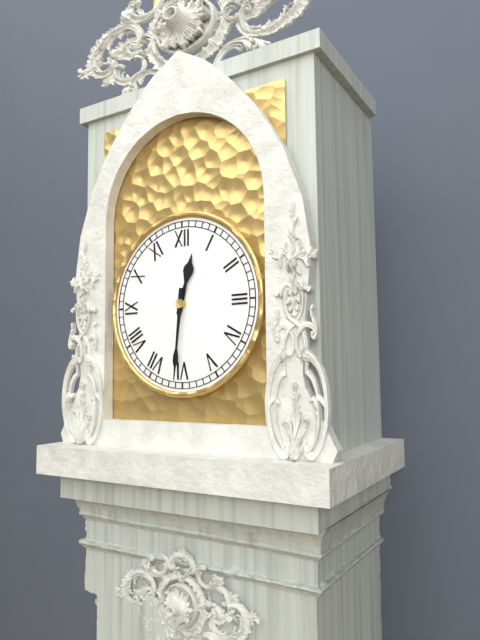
12:31
